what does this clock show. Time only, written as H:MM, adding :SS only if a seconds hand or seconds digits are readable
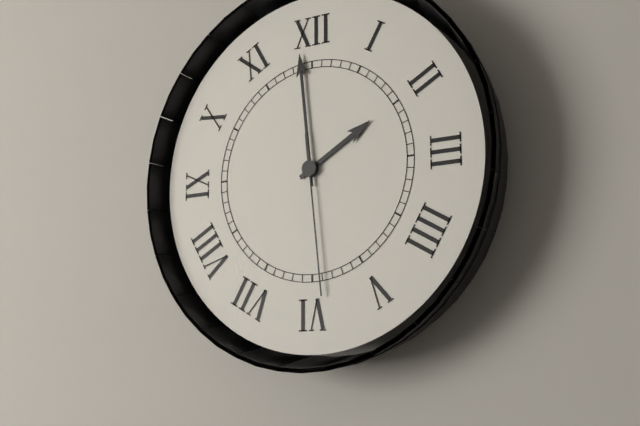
1:59:29
